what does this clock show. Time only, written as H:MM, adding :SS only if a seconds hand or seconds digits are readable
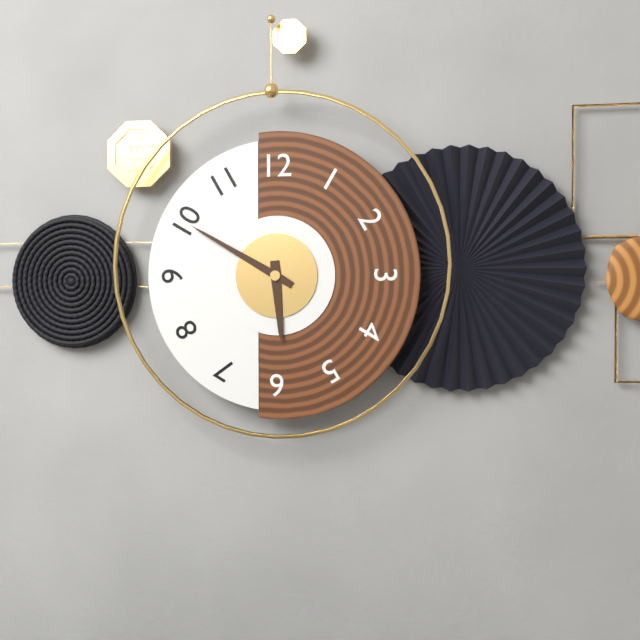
5:50
